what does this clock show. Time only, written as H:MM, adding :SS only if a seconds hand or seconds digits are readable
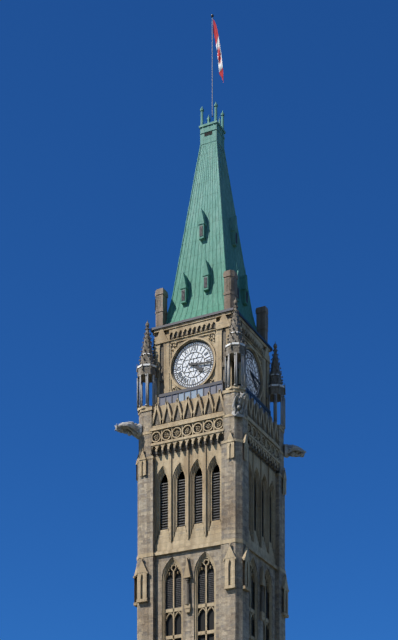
4:16
